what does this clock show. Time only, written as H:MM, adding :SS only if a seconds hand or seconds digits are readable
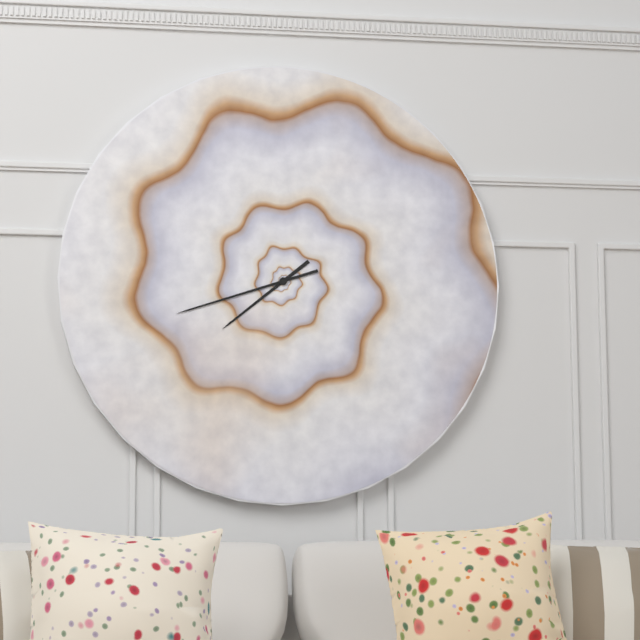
7:42
